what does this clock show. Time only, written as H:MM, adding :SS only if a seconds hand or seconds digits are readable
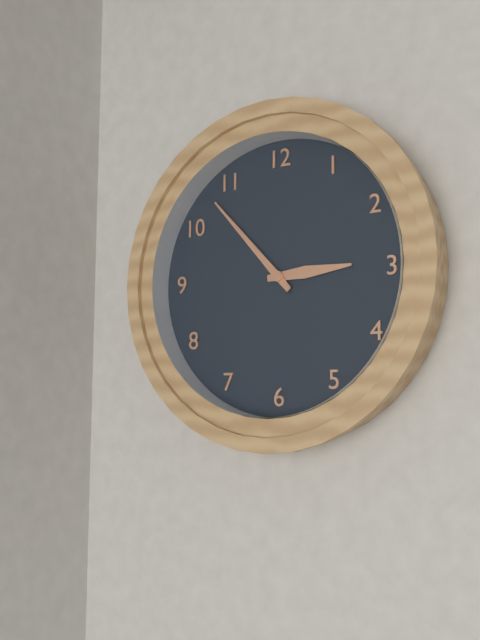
2:53
